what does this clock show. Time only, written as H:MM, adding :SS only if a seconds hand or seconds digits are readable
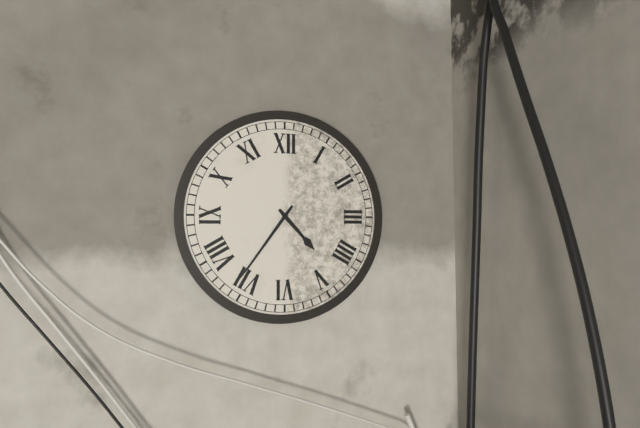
4:36
